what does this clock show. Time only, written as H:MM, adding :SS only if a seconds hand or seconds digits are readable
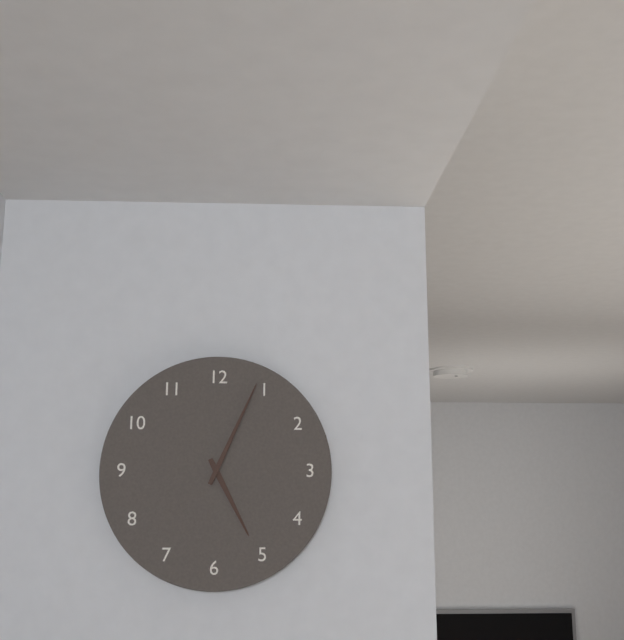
5:04
